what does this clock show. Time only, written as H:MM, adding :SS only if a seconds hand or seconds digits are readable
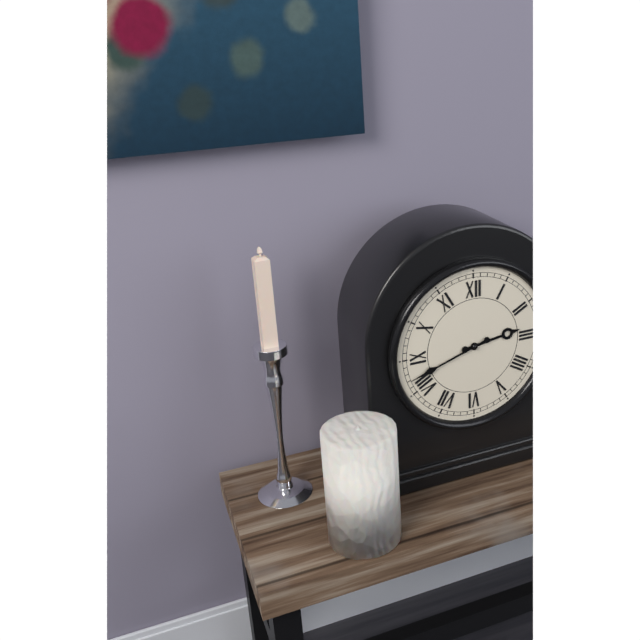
2:42
